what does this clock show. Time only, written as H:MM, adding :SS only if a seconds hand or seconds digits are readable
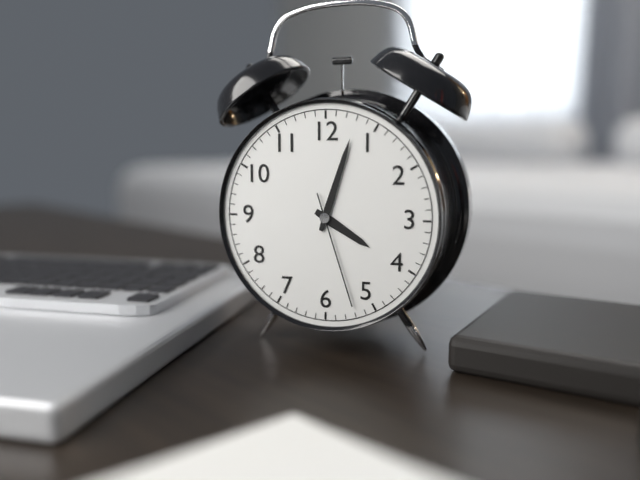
4:03:27
